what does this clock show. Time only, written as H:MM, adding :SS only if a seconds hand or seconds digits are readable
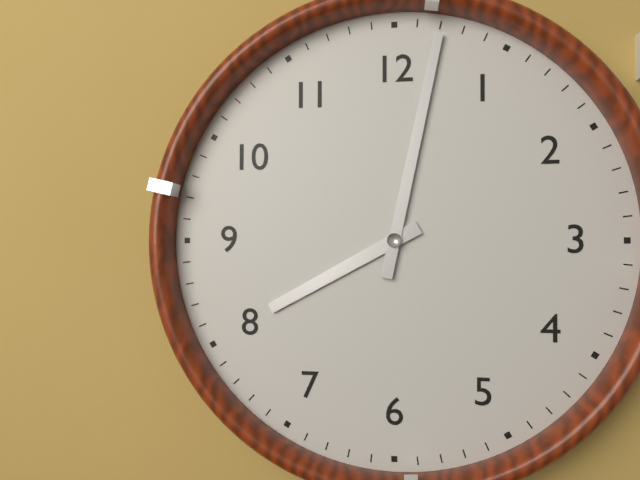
8:02
